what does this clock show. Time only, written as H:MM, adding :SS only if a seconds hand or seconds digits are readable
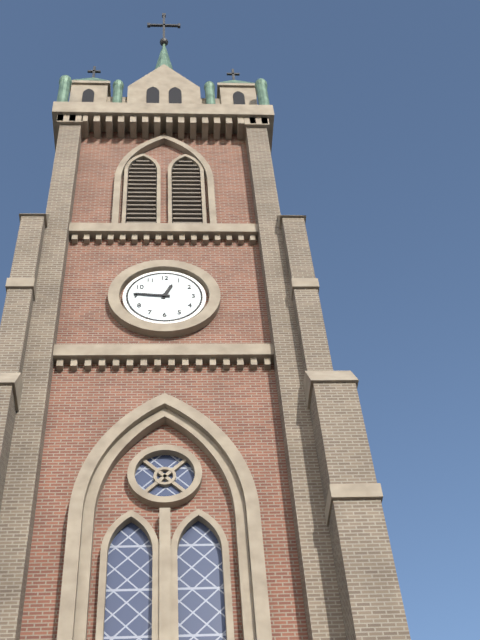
12:46
